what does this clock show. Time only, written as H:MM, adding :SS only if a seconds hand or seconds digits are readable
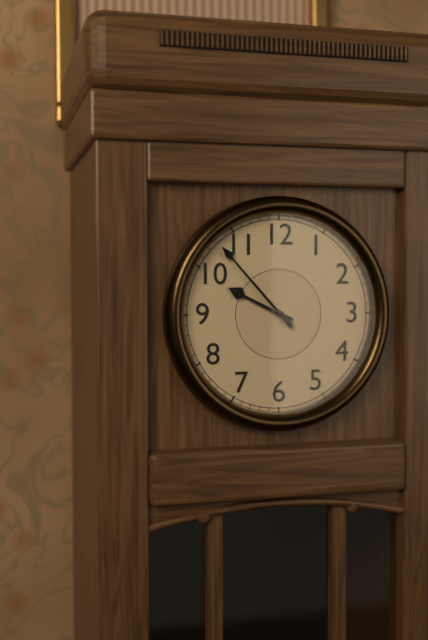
9:53
